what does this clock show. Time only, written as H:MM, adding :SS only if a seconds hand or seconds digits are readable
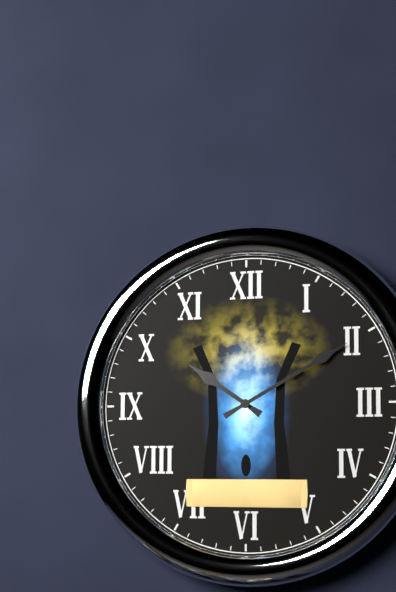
10:10
